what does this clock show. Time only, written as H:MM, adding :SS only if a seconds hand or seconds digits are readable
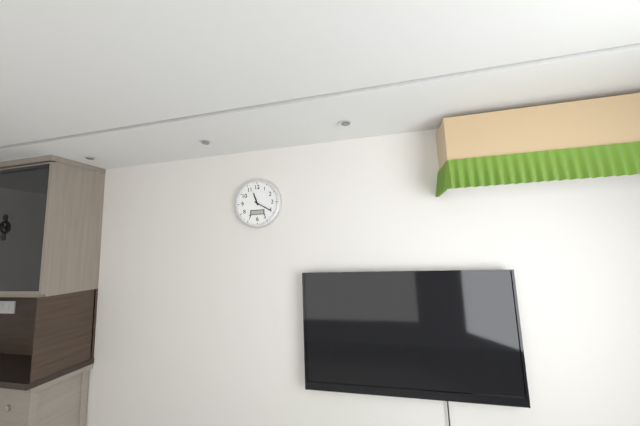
11:20
